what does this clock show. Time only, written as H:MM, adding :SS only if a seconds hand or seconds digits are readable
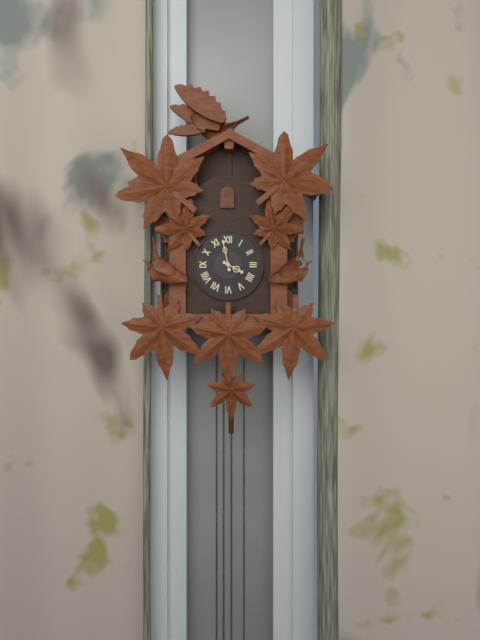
3:58
